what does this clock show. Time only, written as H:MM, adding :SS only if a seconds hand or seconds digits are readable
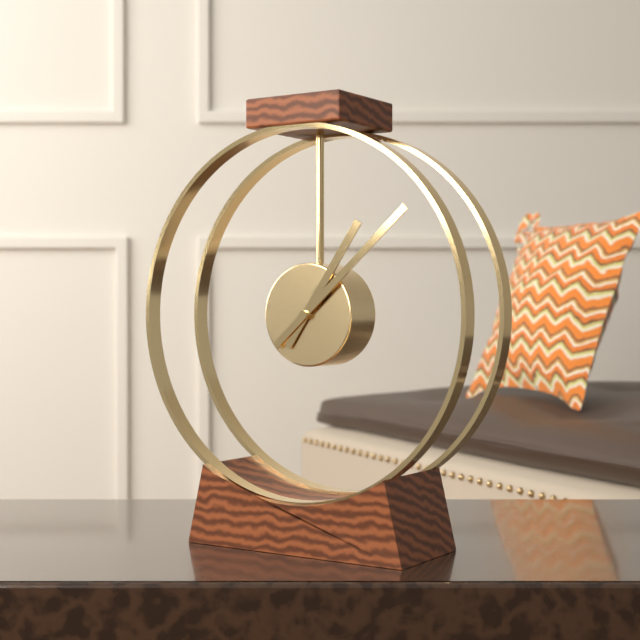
1:08
